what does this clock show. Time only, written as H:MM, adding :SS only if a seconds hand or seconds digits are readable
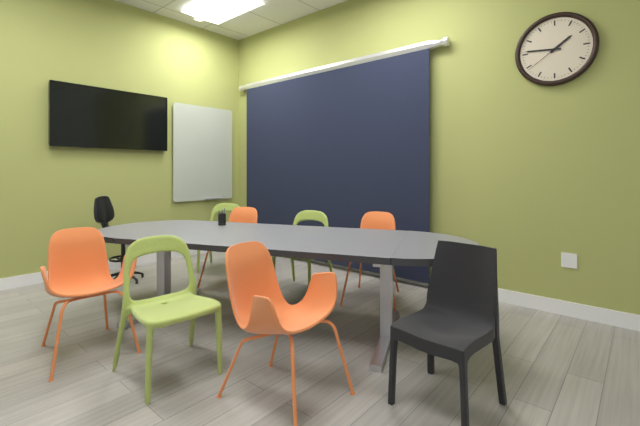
1:46
